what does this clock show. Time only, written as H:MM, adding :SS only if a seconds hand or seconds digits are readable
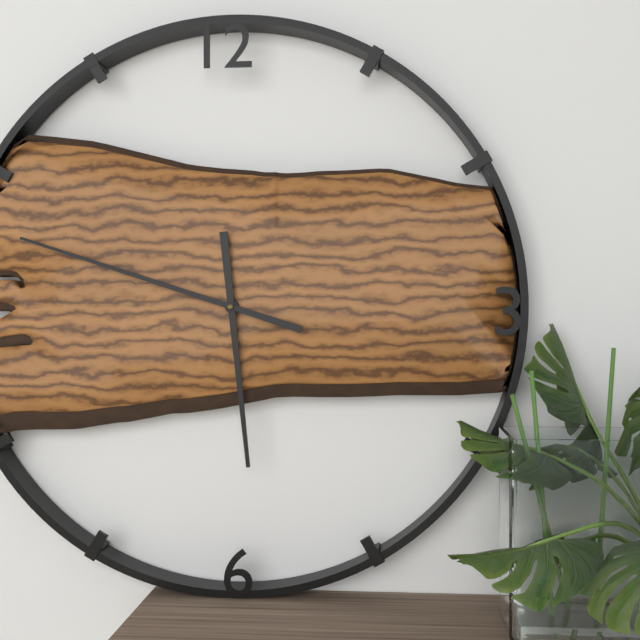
5:48
